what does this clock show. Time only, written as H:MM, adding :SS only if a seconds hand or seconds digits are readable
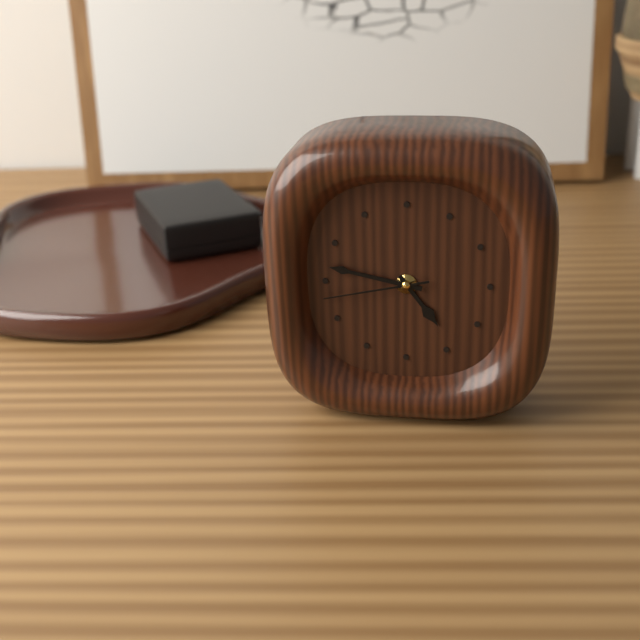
4:47:43
